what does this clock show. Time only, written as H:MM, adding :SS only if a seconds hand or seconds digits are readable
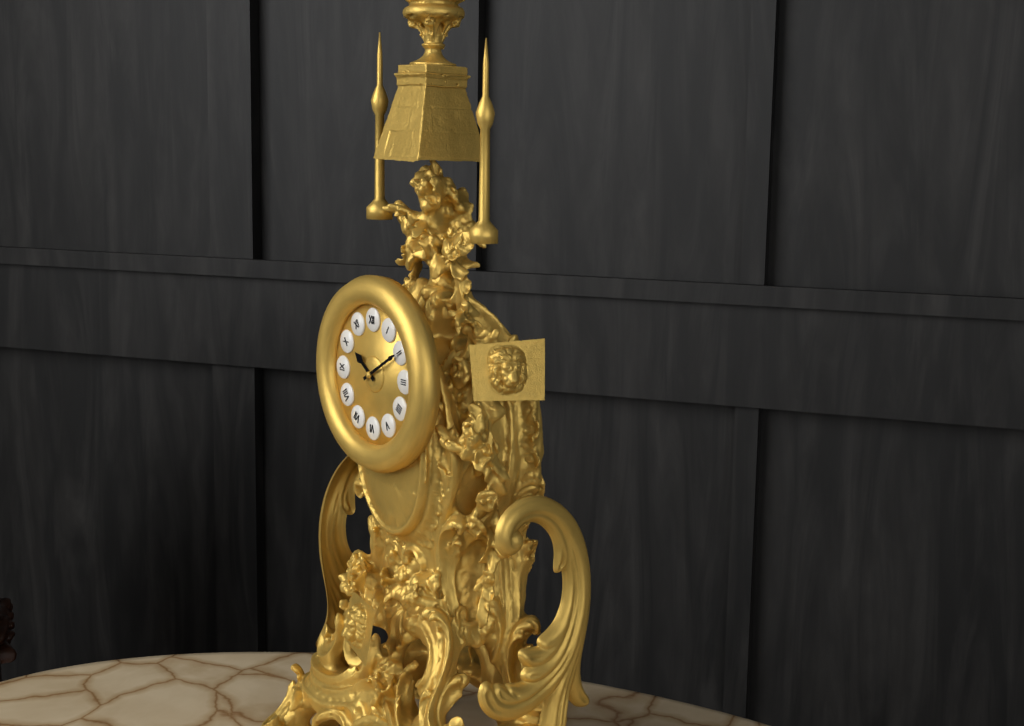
10:10
